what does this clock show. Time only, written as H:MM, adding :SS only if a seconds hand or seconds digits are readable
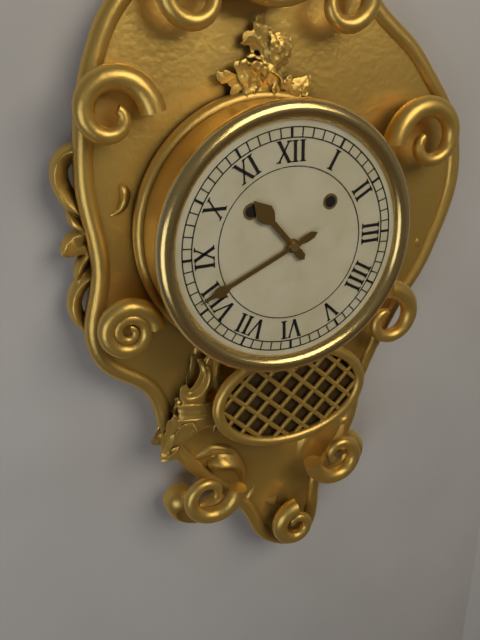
10:41
